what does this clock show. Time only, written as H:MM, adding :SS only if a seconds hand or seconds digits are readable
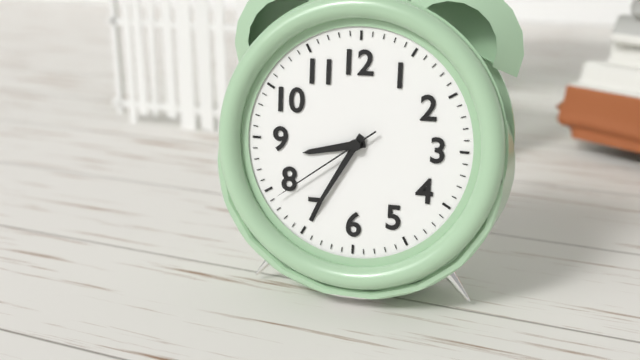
8:35:39
